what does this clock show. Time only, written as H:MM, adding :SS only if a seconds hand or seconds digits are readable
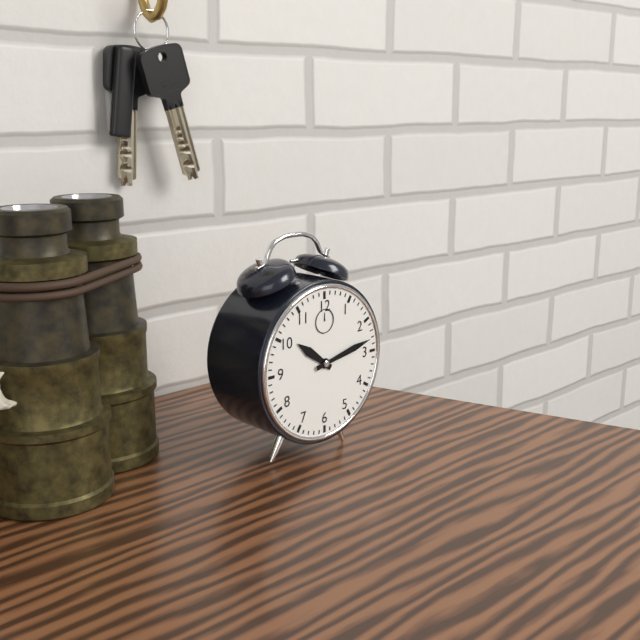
10:13
